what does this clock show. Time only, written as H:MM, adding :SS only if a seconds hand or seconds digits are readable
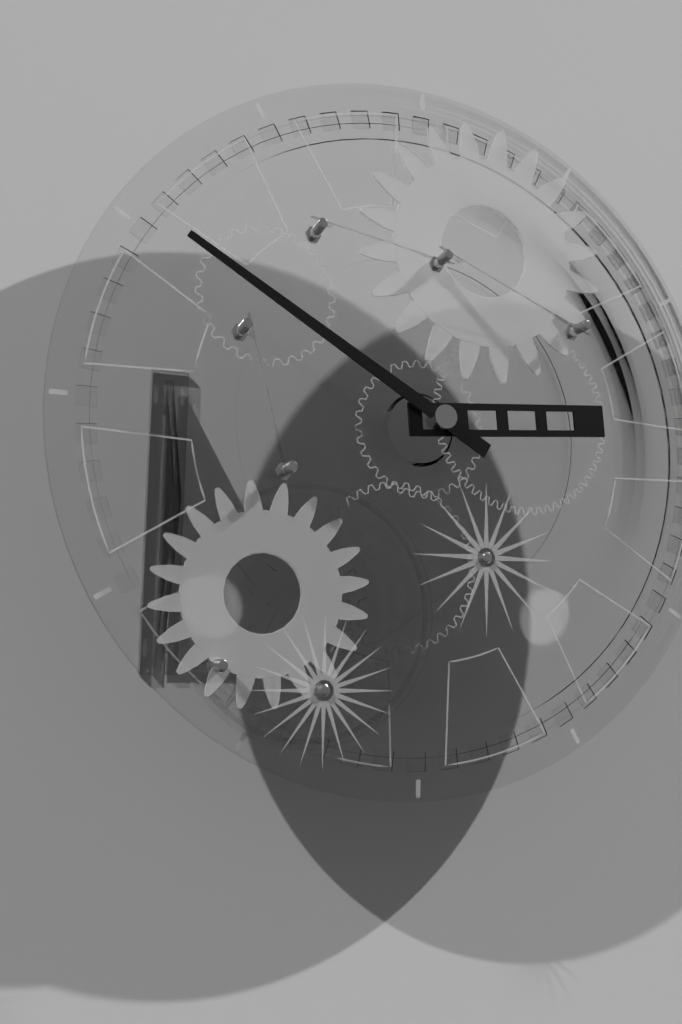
2:50
